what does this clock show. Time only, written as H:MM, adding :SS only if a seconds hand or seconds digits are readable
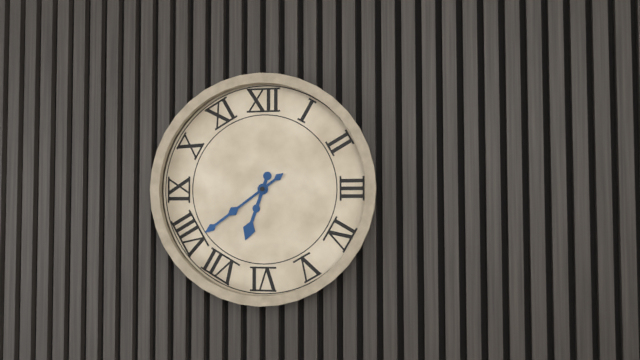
6:39
